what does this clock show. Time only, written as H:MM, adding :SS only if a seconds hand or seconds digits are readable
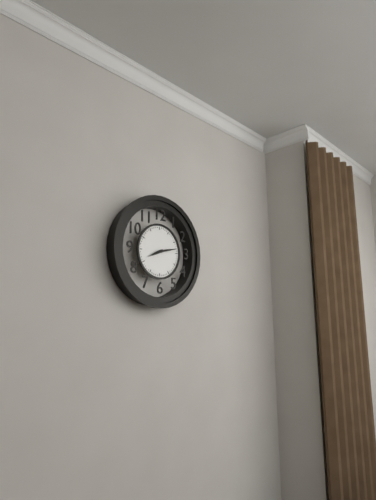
8:13
